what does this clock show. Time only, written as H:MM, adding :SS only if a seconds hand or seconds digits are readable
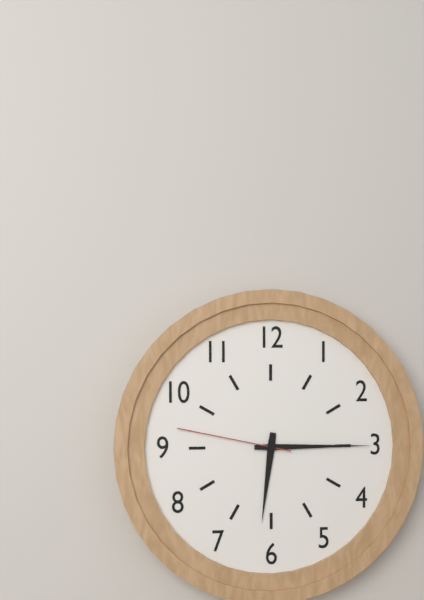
6:15:47
